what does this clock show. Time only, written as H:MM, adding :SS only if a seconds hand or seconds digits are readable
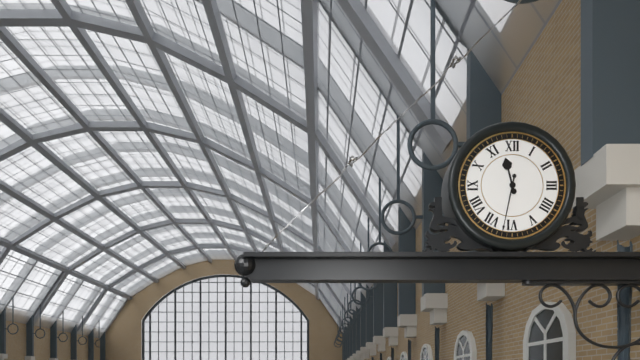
11:32
